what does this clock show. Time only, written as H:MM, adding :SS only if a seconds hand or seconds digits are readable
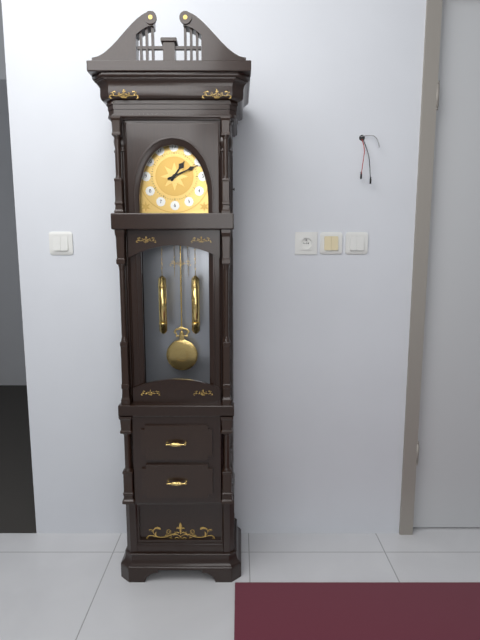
1:11
